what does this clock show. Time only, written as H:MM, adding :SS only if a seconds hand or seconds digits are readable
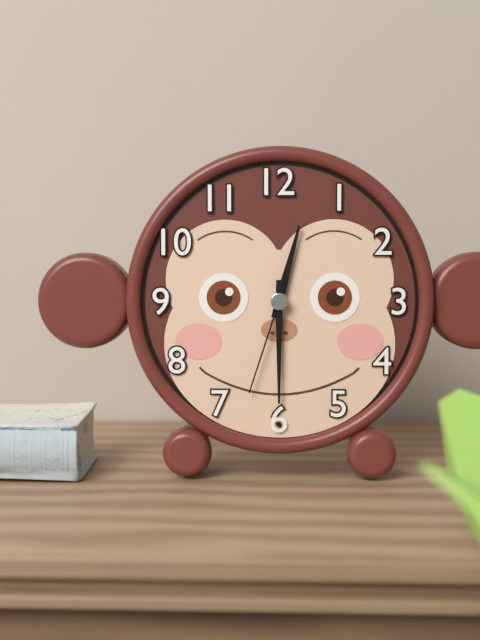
12:30:33
